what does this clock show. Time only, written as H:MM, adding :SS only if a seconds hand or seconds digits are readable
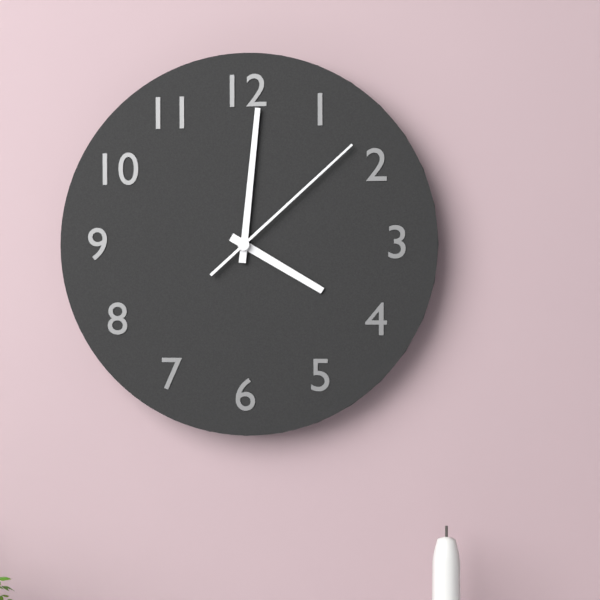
4:01:08
